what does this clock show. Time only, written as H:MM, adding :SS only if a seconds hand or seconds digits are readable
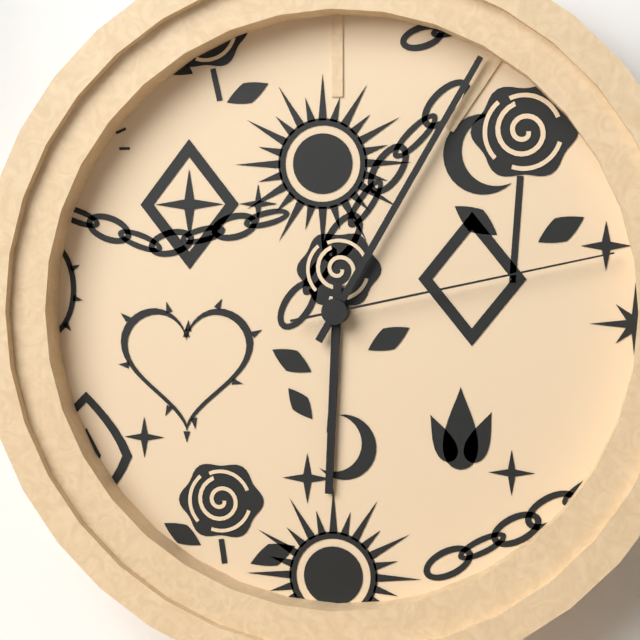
6:05:13
